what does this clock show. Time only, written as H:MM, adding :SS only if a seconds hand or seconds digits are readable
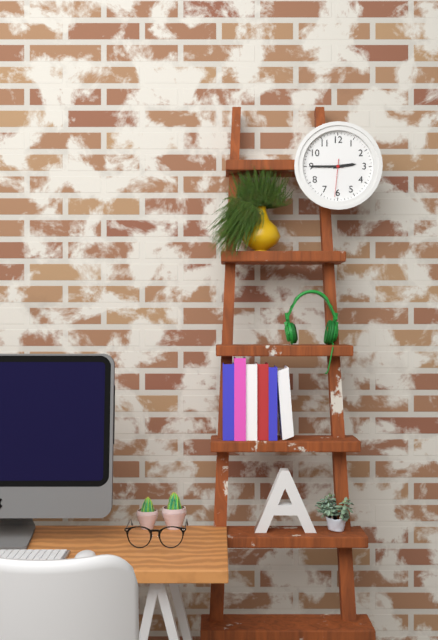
2:45
